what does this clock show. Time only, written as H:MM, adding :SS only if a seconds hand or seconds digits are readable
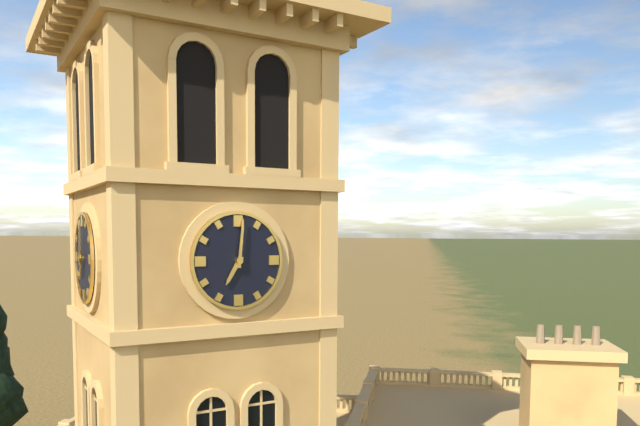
7:01
